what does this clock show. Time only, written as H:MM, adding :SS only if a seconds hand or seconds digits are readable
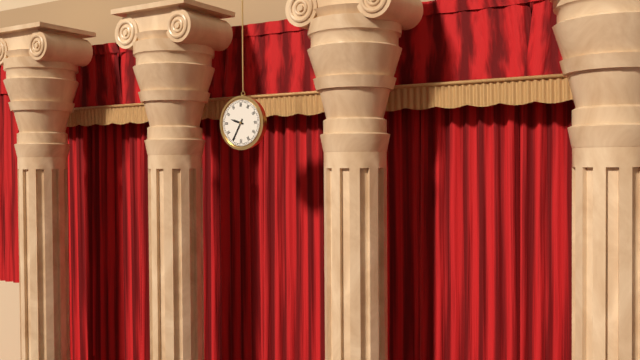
9:35
